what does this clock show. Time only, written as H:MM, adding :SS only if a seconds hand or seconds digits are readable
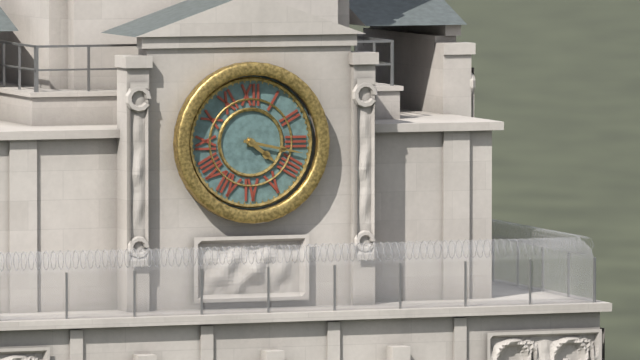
4:17
